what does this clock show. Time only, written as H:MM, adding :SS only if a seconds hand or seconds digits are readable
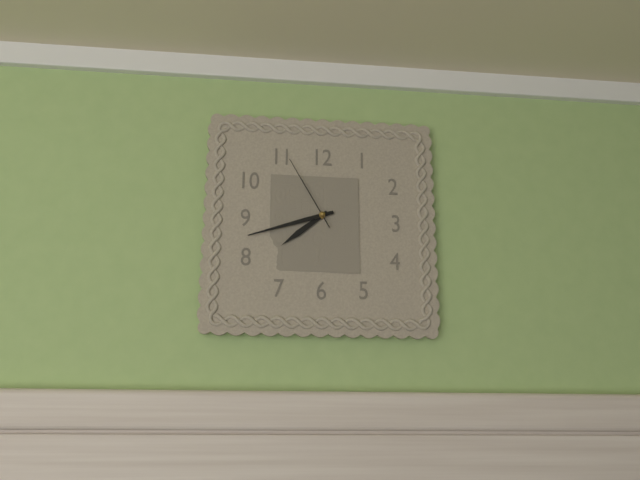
7:42:55
